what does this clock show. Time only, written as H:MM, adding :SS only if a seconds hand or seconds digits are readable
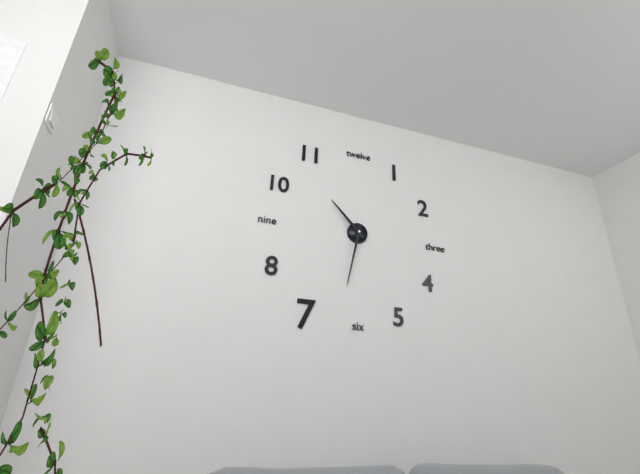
10:32
